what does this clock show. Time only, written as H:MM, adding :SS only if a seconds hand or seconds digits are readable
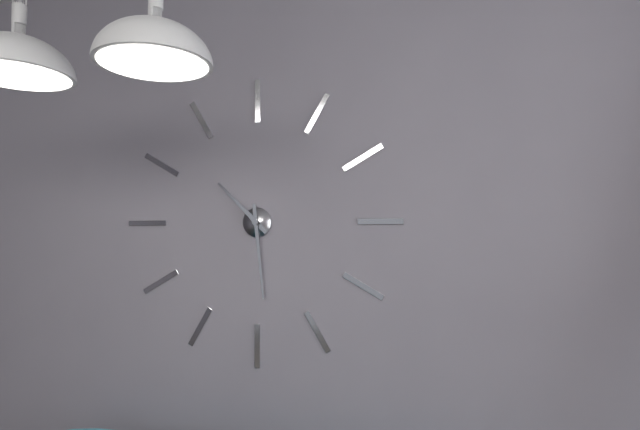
10:29
